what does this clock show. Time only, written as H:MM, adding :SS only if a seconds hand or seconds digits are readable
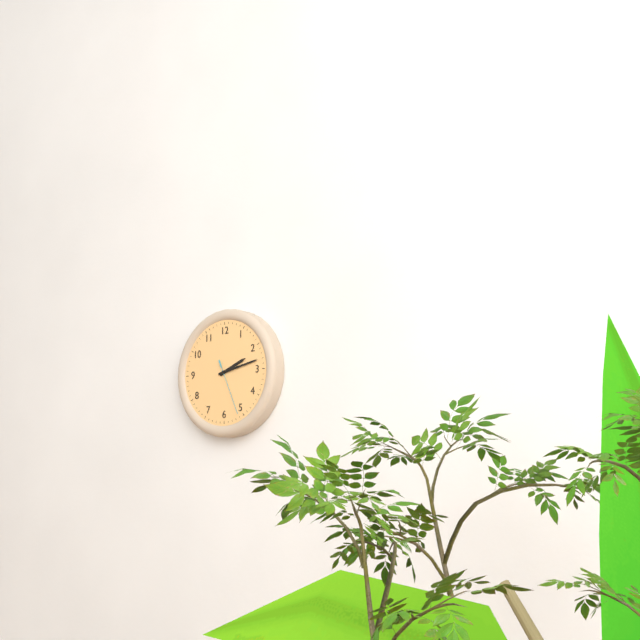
2:13:26
